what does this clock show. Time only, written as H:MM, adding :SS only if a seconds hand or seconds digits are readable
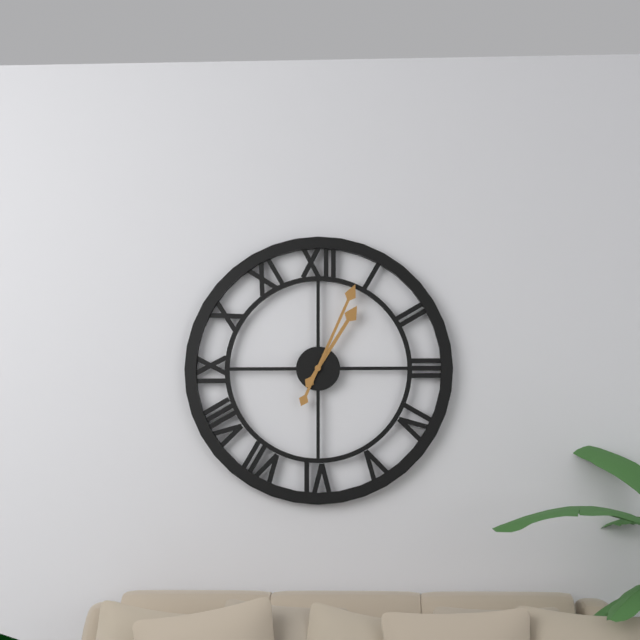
1:04
